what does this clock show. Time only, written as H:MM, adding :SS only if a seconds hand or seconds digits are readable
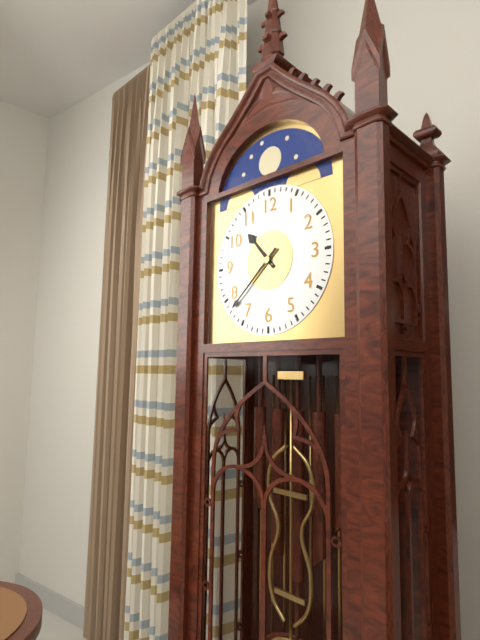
10:38
